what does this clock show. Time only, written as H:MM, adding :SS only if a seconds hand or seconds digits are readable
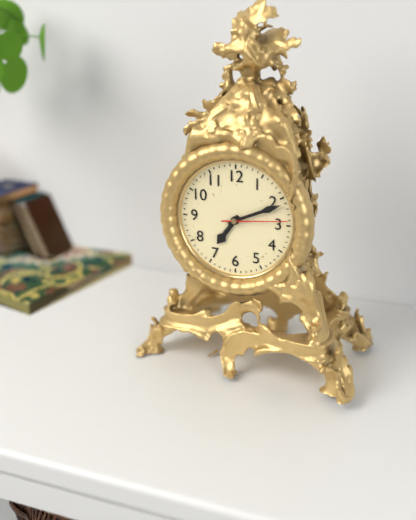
7:11:14
